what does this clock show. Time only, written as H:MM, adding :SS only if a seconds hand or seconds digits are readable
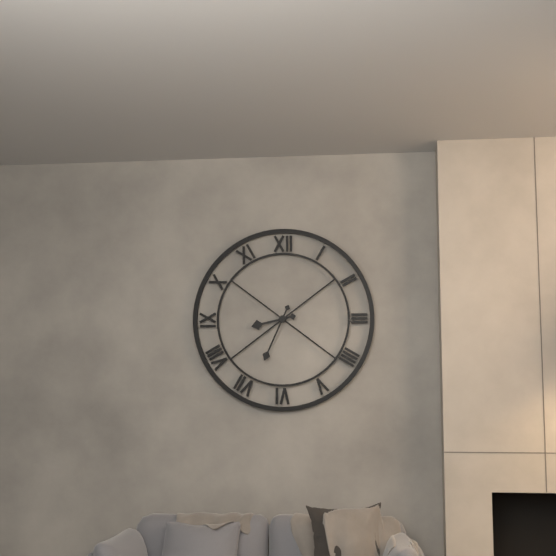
8:34
